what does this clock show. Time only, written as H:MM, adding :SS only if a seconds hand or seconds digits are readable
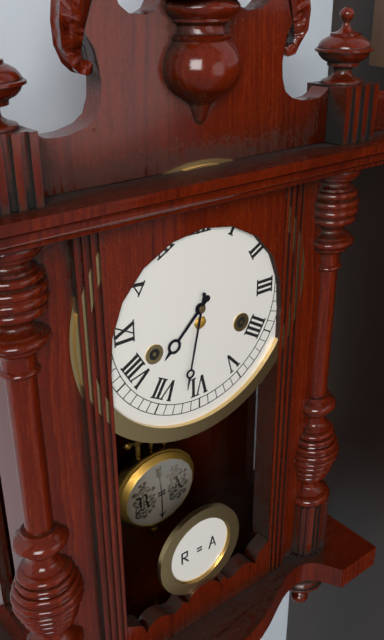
7:32
